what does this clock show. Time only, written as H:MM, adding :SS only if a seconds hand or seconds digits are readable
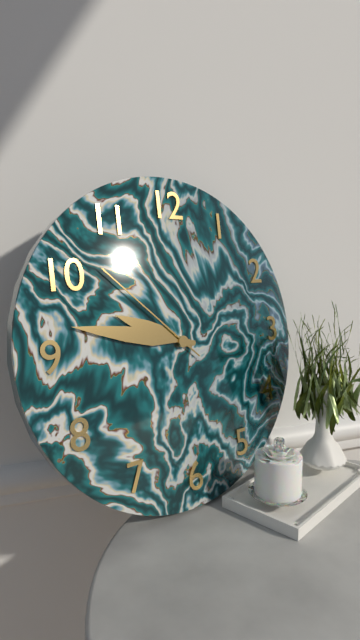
9:47:52
